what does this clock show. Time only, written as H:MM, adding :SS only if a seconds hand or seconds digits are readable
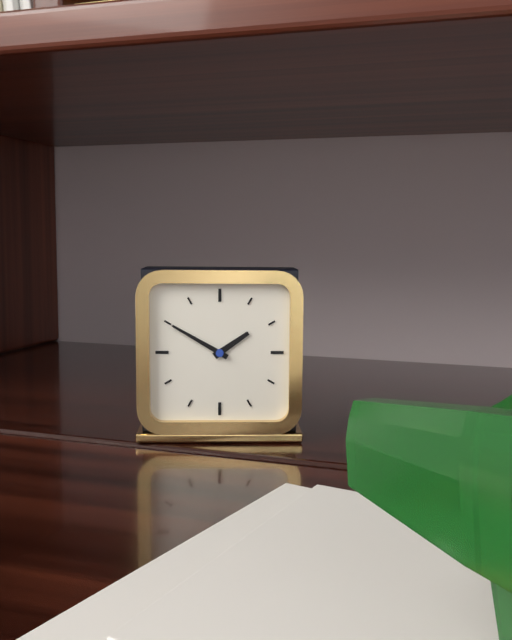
1:50
